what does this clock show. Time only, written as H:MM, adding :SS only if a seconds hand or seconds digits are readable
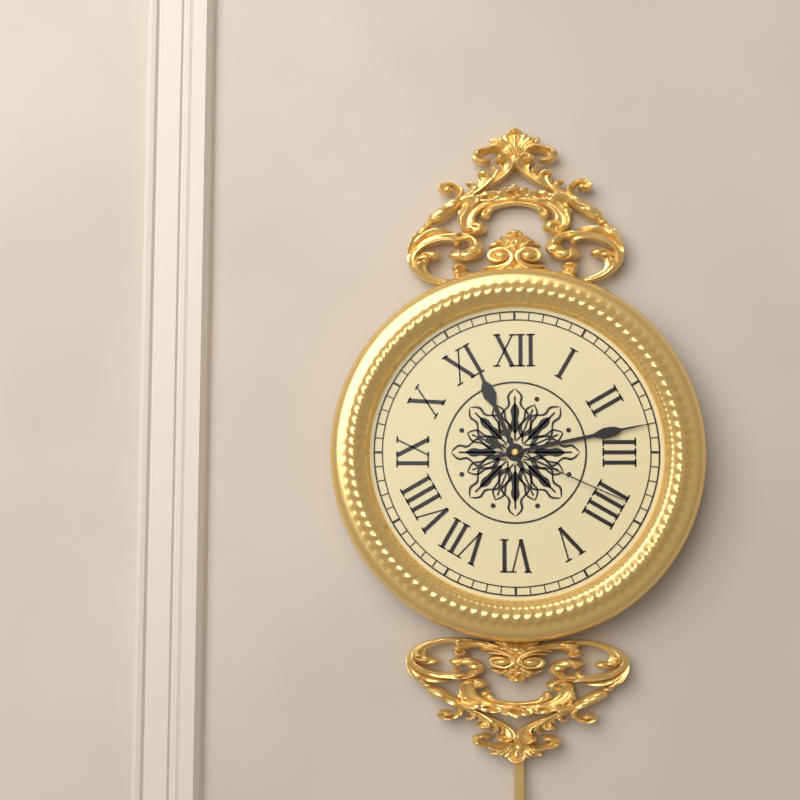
11:13:19
